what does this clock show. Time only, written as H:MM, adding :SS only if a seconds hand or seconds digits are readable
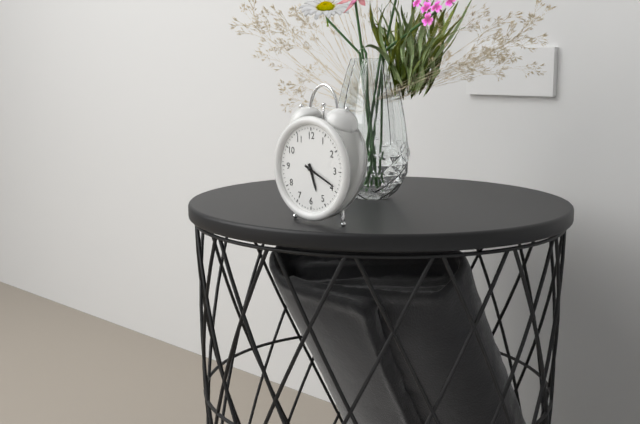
5:19
